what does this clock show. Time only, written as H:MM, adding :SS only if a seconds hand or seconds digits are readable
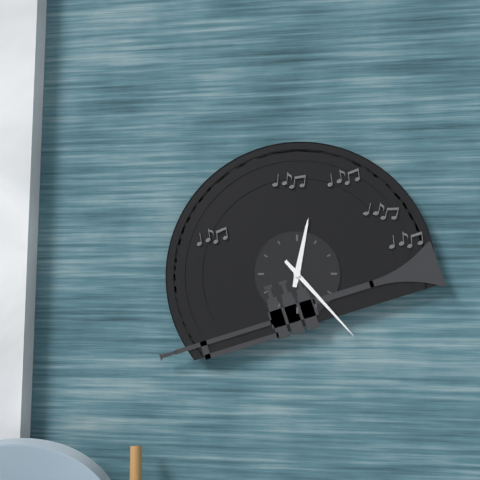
12:23
